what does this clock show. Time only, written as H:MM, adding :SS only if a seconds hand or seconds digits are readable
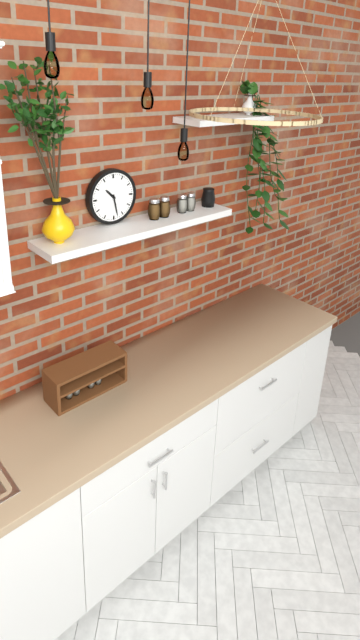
10:28
